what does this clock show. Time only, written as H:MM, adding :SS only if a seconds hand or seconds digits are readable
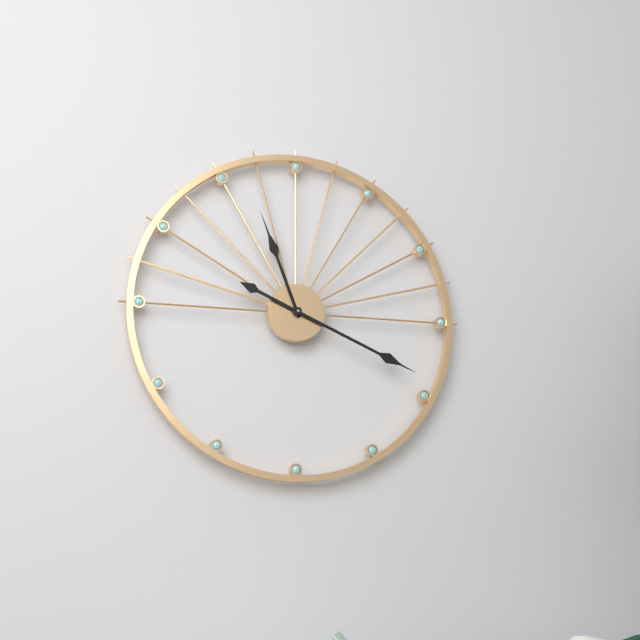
11:19
